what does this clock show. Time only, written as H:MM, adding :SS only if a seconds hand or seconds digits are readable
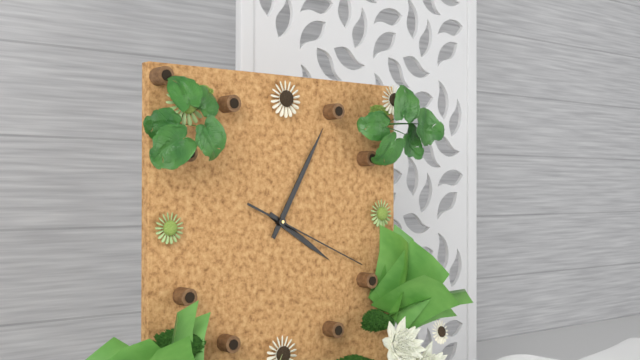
4:05:19
